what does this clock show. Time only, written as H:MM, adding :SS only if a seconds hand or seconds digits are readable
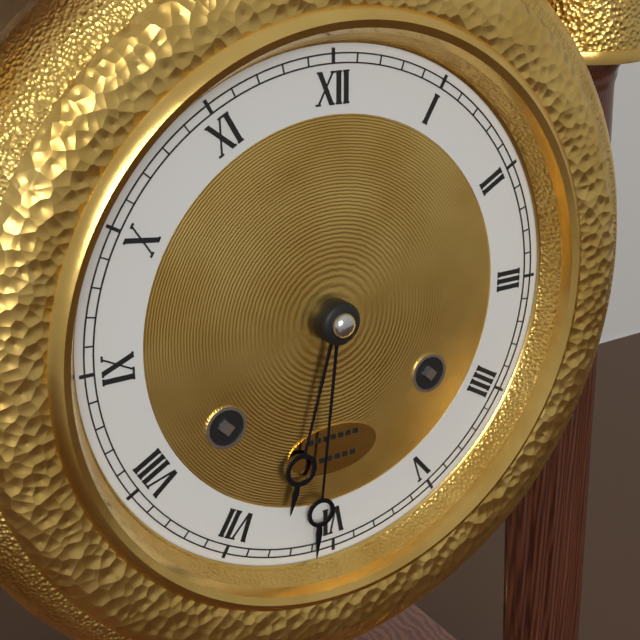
6:31
